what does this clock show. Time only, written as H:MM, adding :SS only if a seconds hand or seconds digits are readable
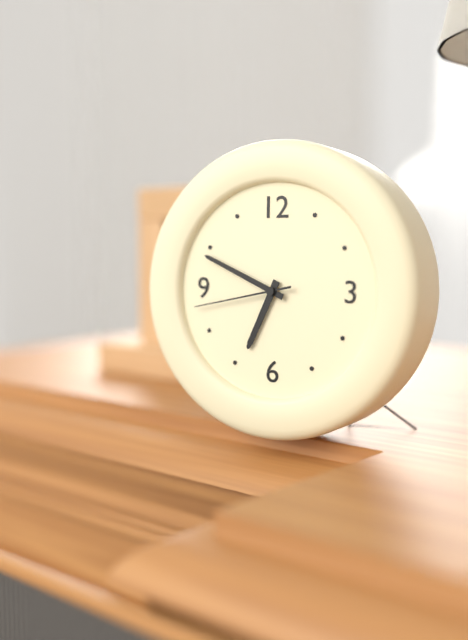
6:49:43
